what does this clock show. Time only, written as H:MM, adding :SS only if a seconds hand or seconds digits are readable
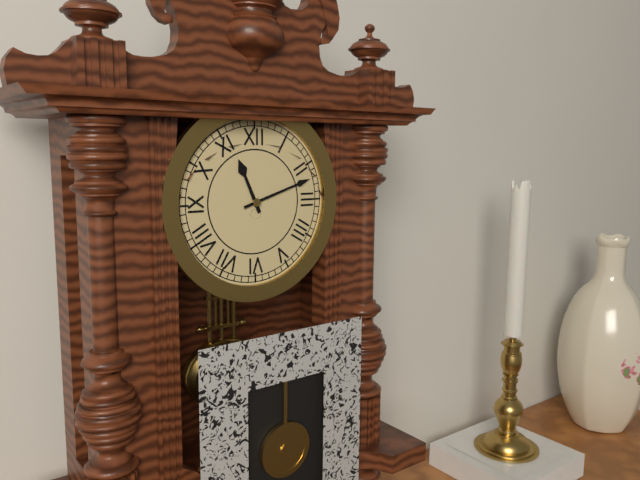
11:12
